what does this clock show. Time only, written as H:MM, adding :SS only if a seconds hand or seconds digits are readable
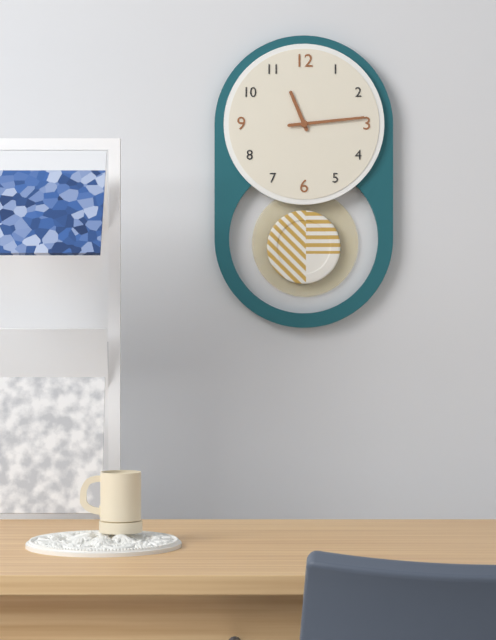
11:14
